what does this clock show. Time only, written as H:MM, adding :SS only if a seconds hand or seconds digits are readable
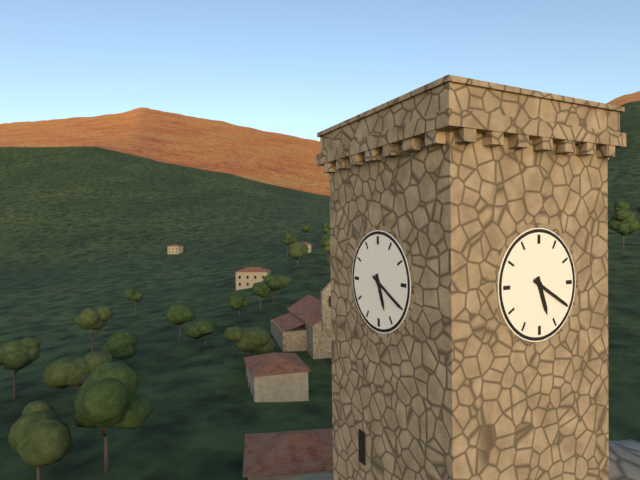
5:20
